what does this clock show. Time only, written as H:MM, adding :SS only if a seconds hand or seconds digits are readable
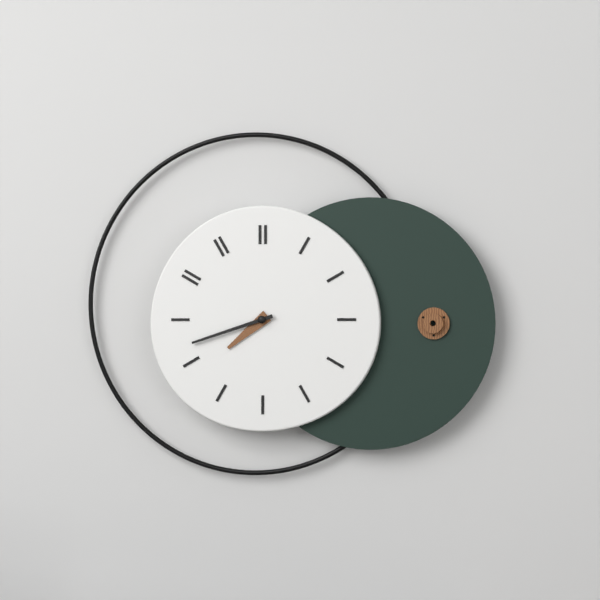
7:42
